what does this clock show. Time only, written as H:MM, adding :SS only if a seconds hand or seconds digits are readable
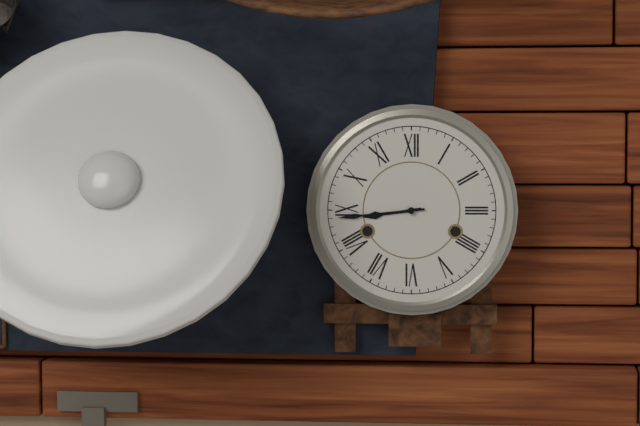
8:44
